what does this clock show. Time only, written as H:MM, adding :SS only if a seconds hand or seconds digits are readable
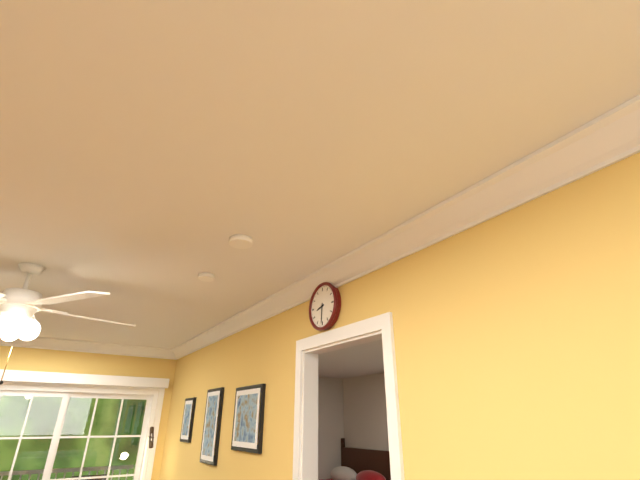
8:31
